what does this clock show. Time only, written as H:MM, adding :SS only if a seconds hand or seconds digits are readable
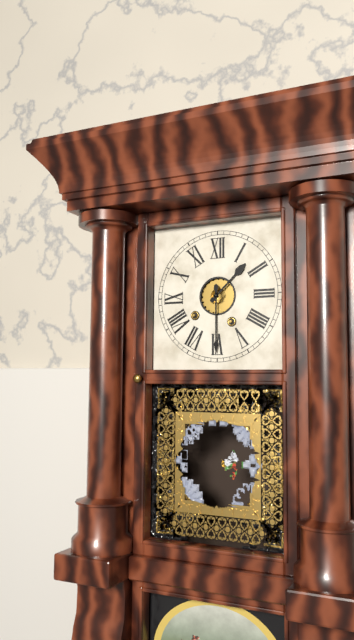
1:30
